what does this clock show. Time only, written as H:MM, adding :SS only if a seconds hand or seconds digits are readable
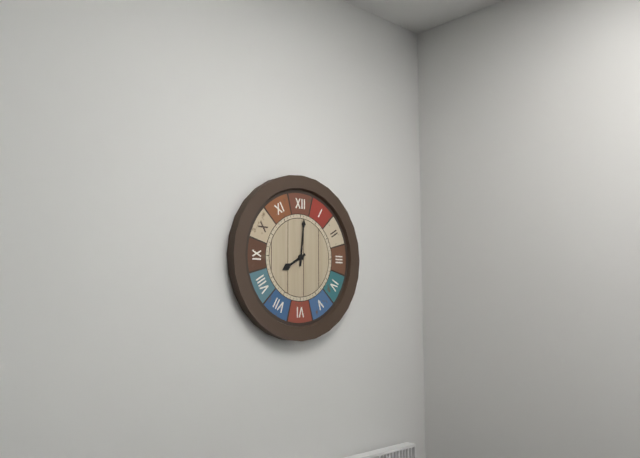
8:01
